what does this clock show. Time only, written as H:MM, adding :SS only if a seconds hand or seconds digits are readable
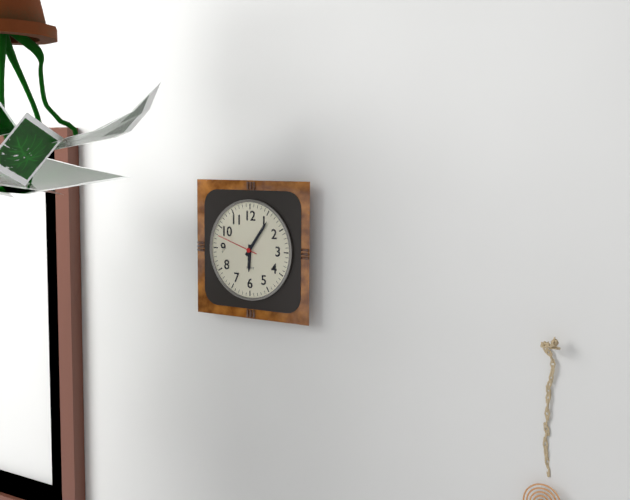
6:06
